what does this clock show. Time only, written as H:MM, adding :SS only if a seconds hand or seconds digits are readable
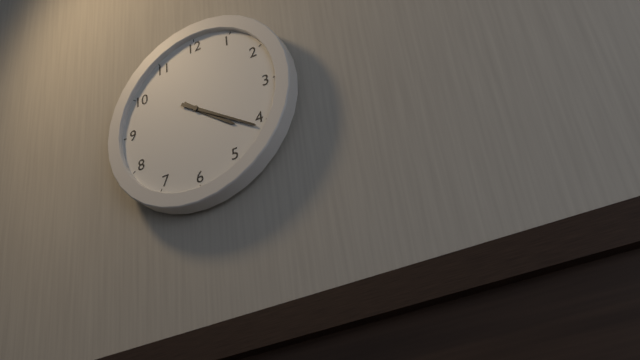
4:21
